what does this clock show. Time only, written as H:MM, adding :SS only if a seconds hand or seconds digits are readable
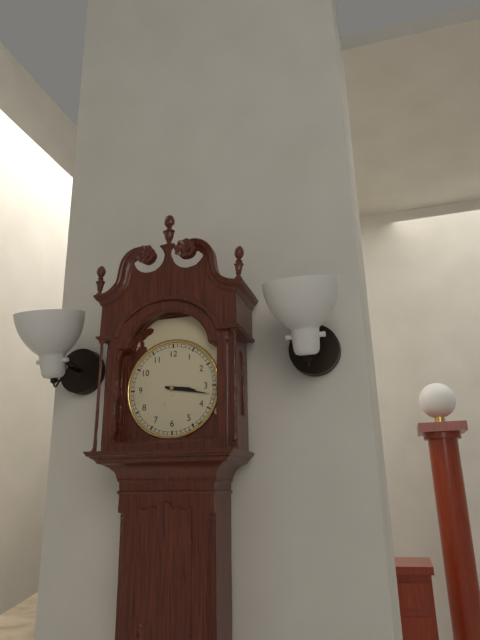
3:17
